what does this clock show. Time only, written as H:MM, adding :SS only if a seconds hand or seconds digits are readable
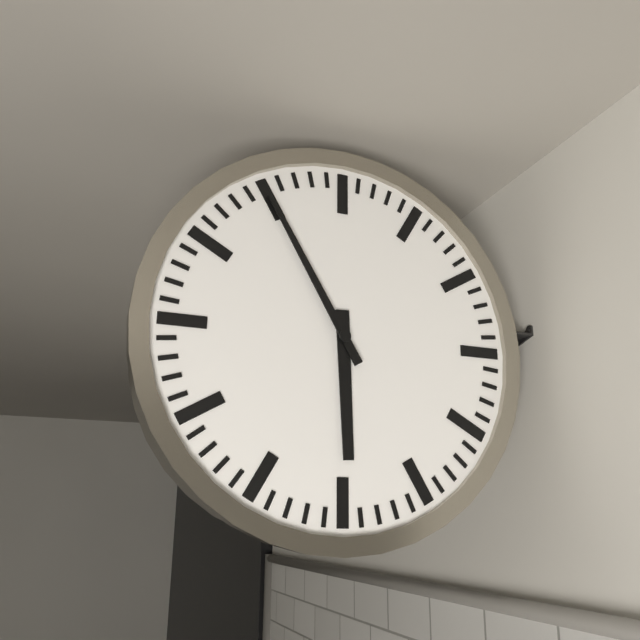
5:55
